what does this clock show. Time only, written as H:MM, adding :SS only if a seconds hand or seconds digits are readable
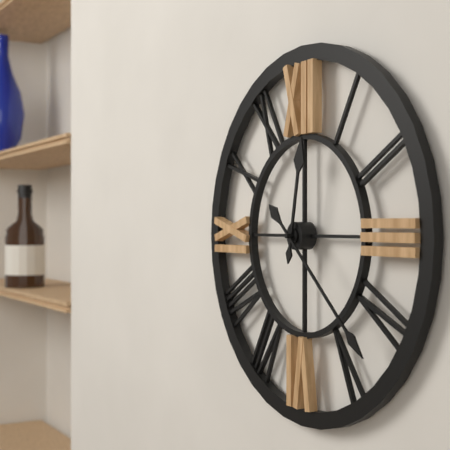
12:22
